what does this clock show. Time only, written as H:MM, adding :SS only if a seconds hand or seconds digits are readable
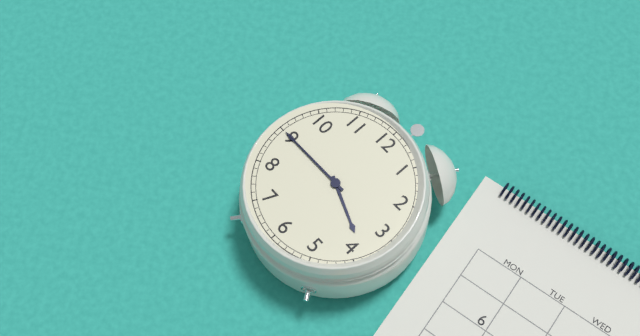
3:45
